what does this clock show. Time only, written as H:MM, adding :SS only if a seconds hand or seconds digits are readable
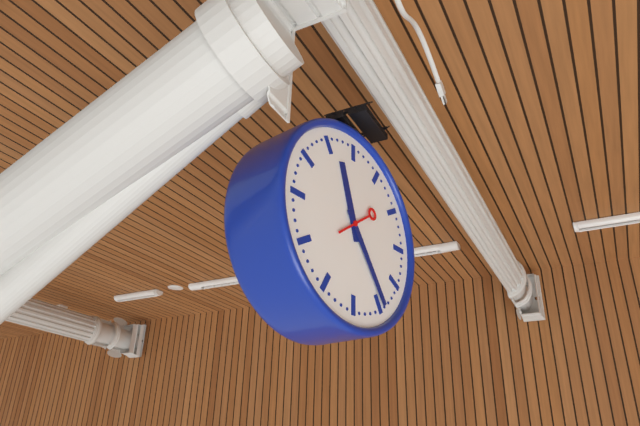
11:24
